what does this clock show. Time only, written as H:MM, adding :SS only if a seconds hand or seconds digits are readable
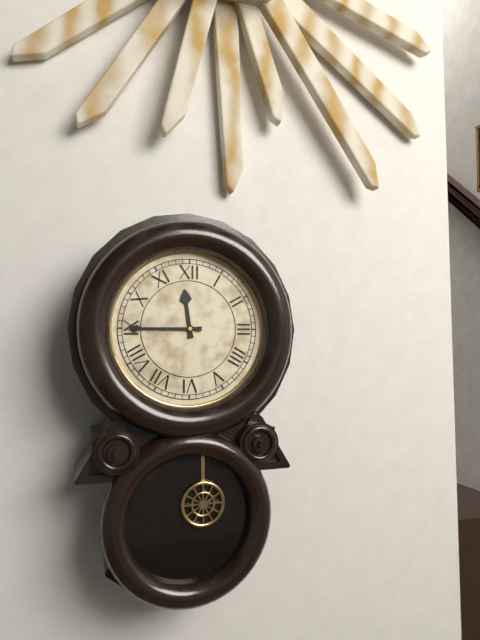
11:45
